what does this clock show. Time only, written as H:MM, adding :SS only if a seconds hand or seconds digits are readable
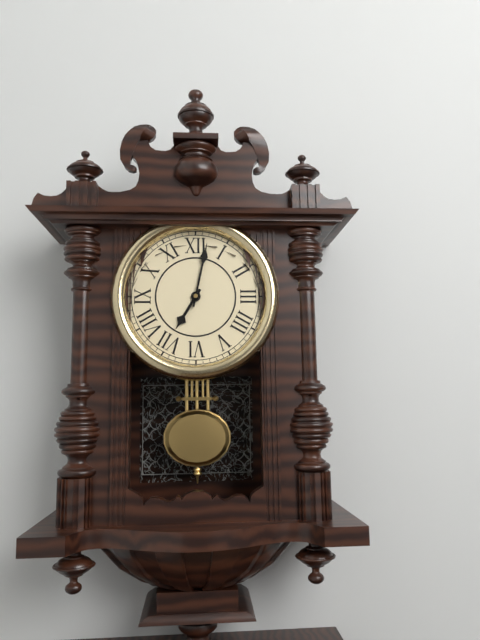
7:02
